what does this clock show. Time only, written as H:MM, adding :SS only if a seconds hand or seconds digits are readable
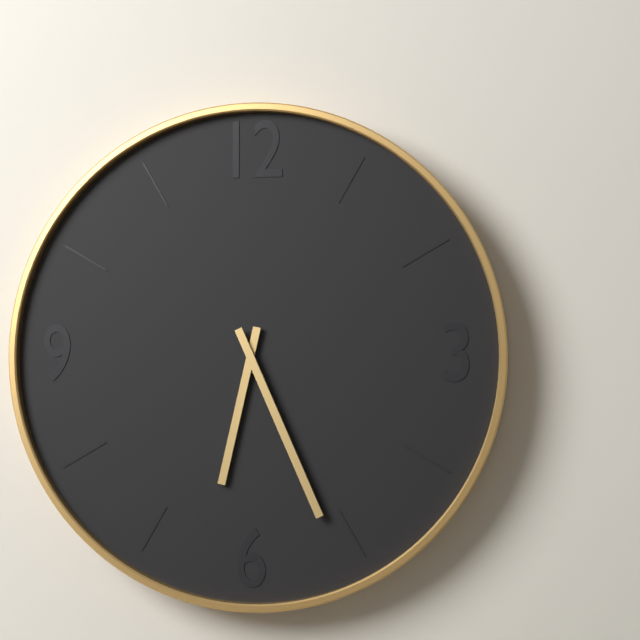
6:26
